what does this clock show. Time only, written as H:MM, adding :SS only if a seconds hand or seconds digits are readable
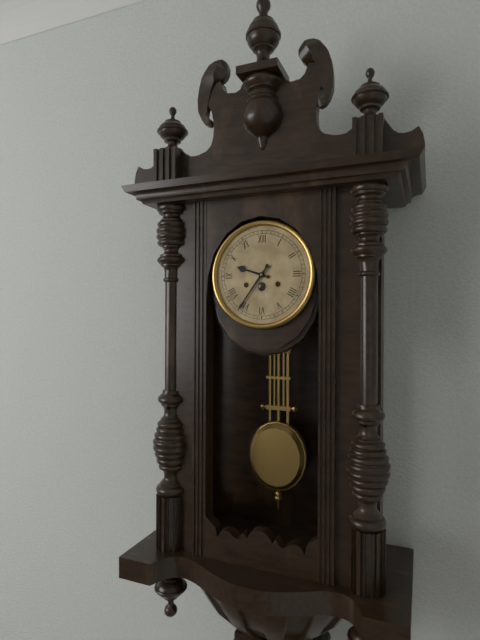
9:36
